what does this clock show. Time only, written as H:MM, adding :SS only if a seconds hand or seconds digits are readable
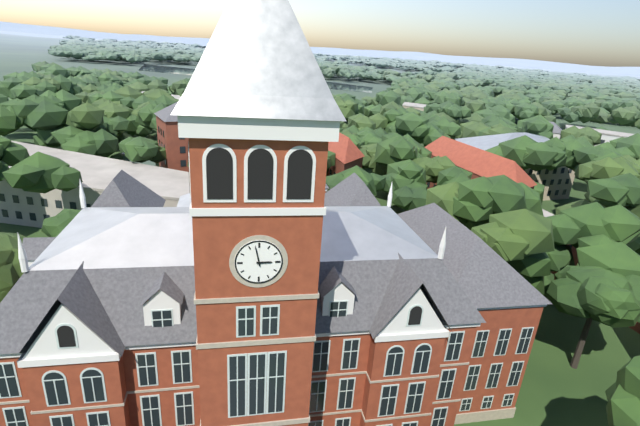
2:58
